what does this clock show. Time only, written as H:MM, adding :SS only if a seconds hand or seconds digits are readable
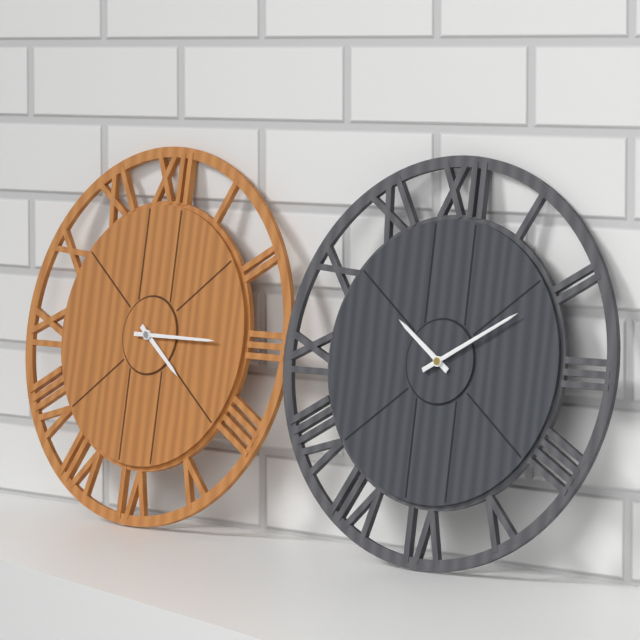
4:15
